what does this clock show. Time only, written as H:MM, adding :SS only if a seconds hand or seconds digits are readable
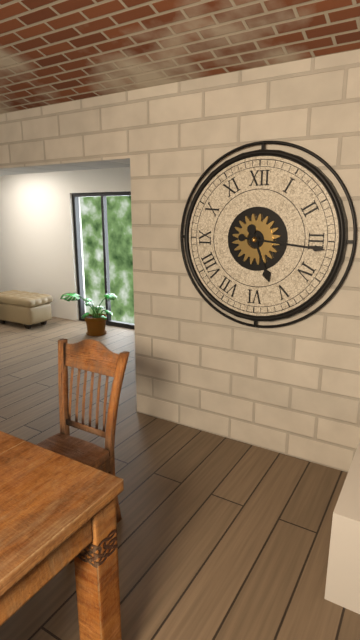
5:16
